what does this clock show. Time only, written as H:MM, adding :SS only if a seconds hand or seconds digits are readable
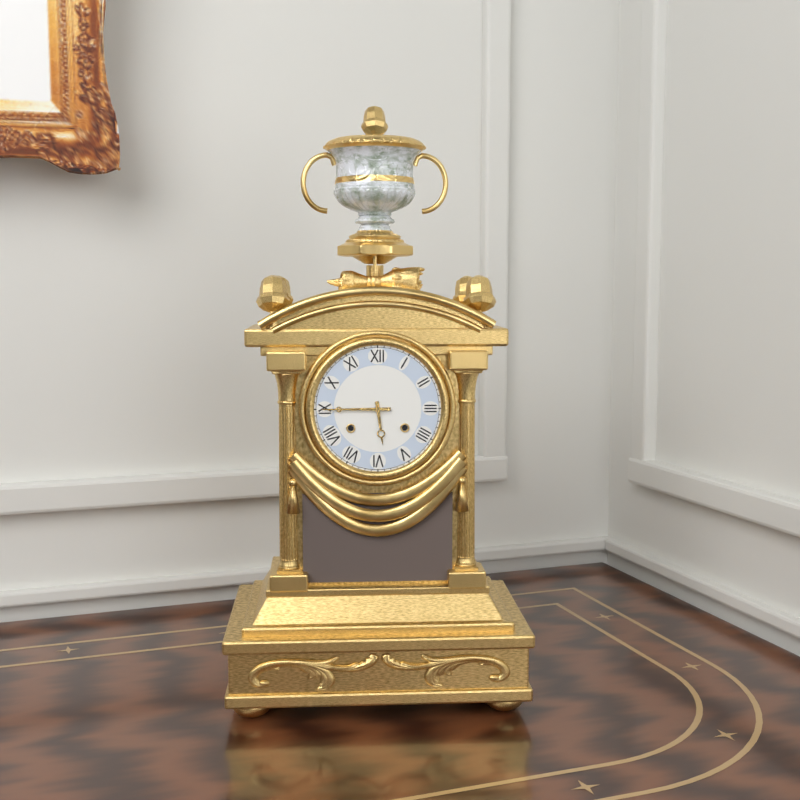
5:45
